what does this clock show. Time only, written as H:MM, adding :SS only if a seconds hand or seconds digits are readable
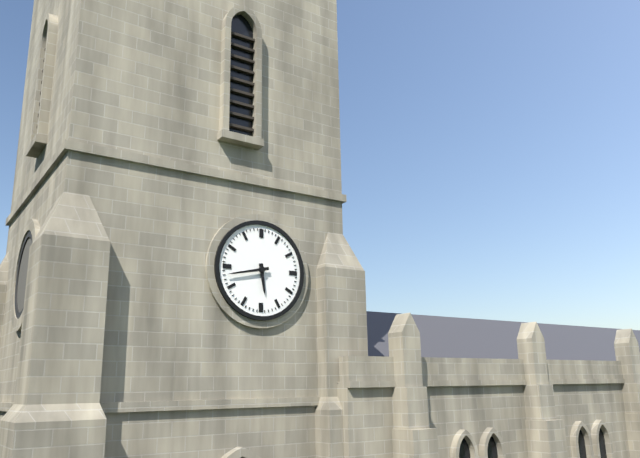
5:43
